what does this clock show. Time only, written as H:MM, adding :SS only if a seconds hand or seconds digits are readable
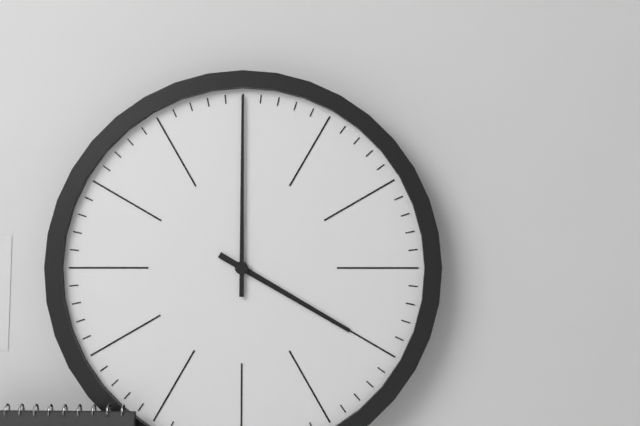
4:00
